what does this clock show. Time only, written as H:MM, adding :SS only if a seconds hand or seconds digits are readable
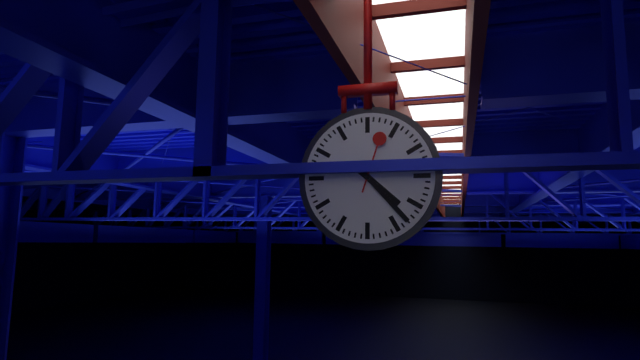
4:23:03
